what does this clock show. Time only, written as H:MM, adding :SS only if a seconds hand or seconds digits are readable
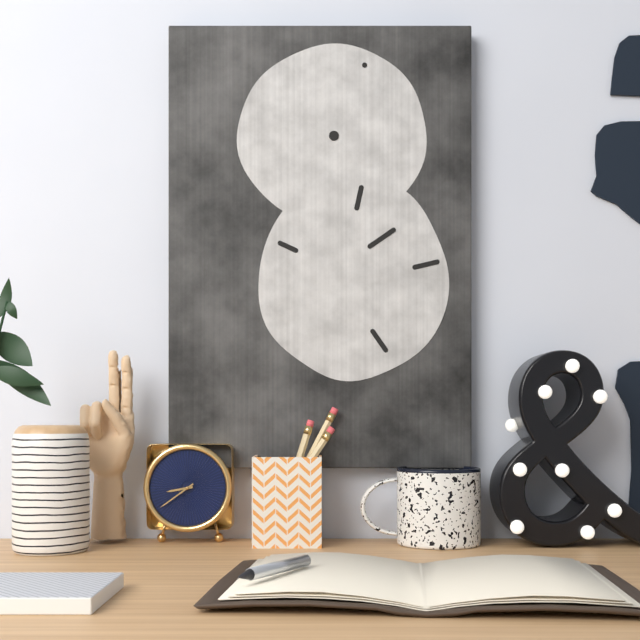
8:39
